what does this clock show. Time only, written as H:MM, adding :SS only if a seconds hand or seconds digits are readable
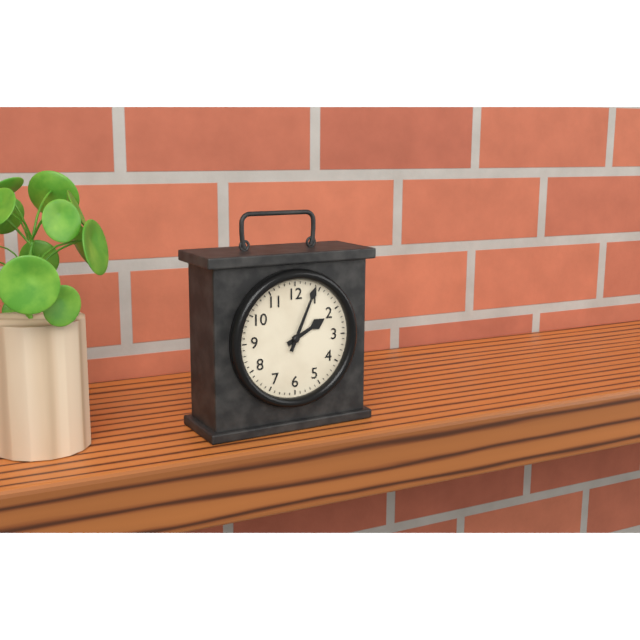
2:04
